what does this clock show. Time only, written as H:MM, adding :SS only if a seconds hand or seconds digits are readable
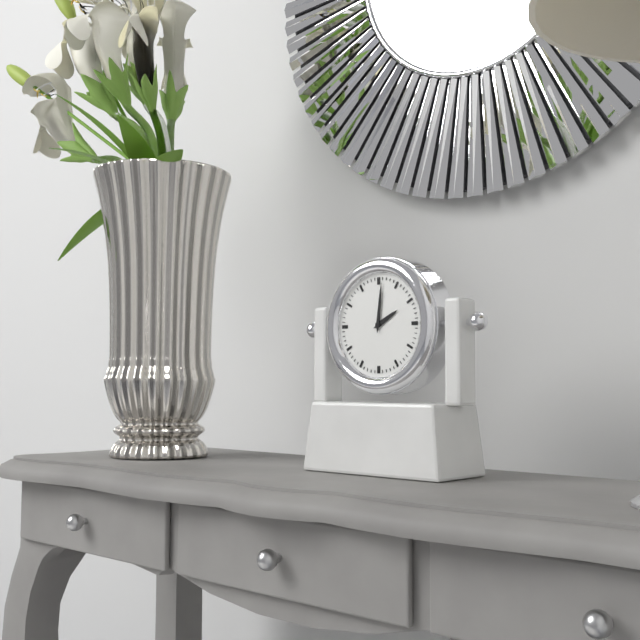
2:01
